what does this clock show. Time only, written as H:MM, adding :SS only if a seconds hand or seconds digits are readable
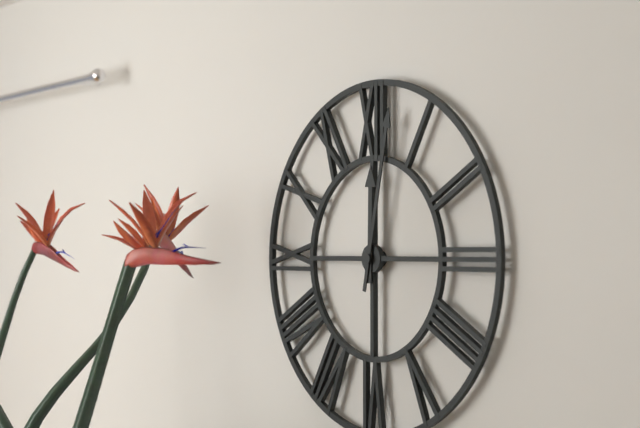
12:02
